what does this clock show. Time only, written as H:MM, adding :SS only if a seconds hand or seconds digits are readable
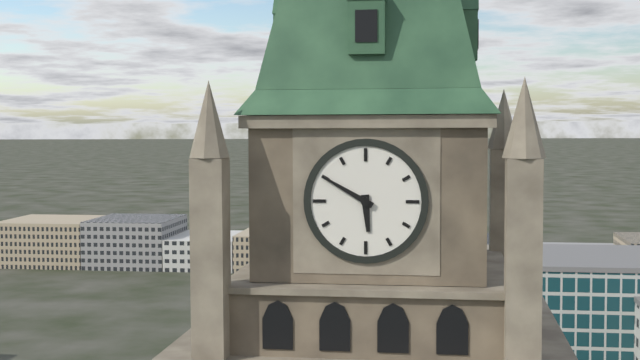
5:50
